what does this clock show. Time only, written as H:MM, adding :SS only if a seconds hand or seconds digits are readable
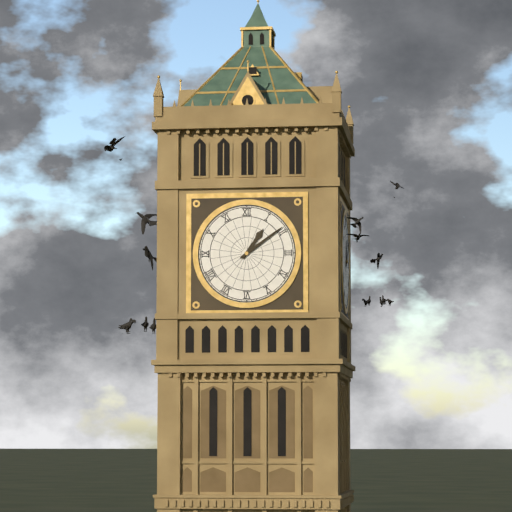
1:09
